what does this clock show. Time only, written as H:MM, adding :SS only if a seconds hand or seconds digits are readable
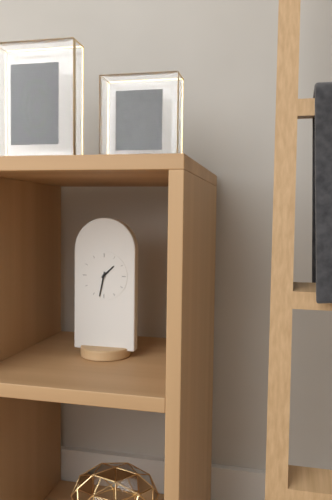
1:32
